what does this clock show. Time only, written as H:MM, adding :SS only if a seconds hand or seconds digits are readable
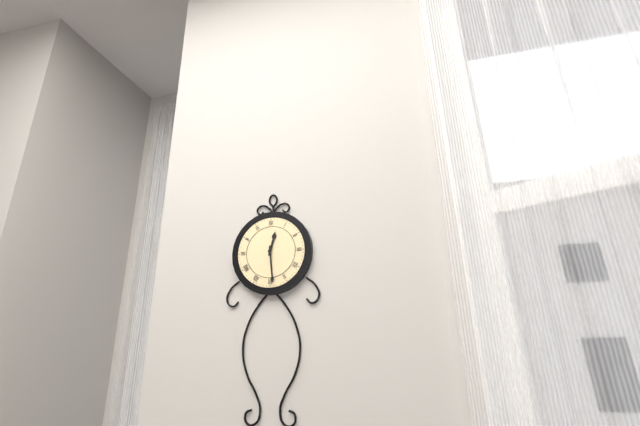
12:29
